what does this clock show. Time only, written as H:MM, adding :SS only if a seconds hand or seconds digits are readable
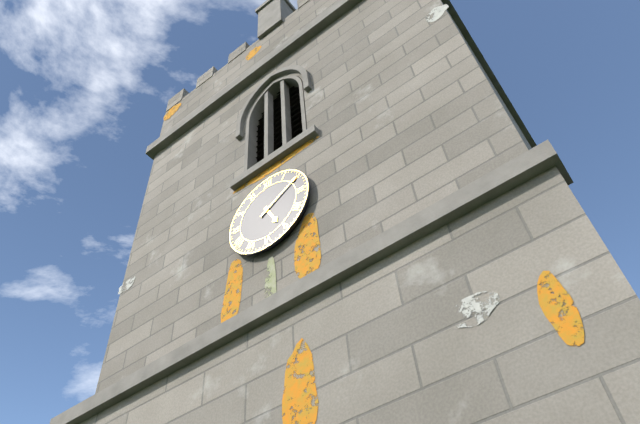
5:10
